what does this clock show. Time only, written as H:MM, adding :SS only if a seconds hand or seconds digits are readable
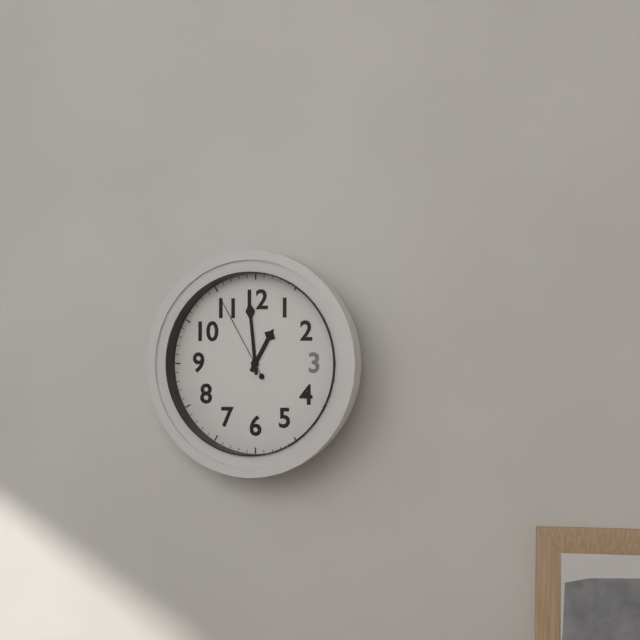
12:59:55
